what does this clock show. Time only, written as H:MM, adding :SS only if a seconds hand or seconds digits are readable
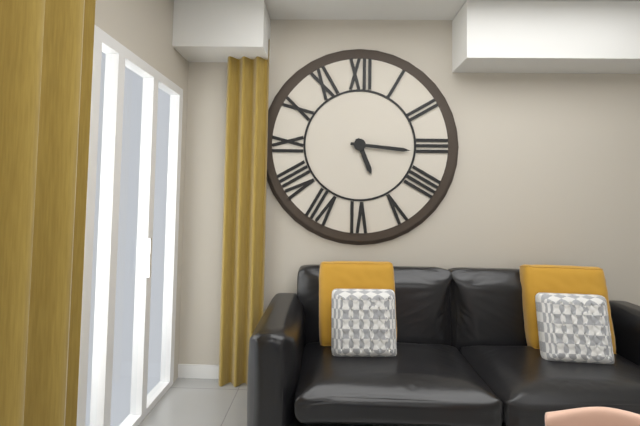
5:16
